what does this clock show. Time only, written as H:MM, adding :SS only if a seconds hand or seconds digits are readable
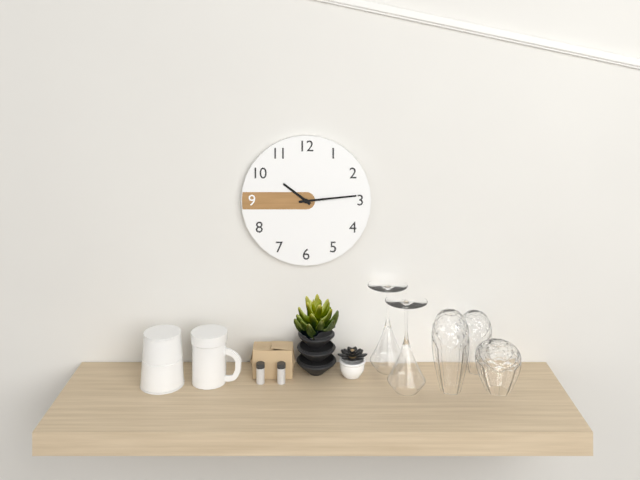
10:14
